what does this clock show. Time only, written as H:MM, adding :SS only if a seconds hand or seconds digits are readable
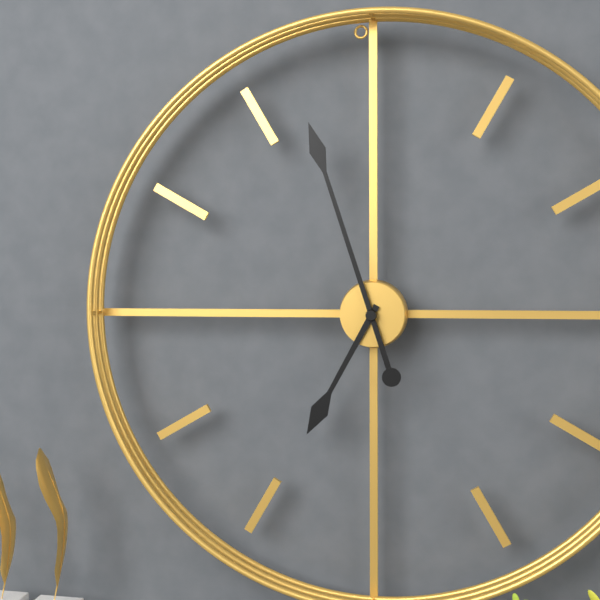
6:57
